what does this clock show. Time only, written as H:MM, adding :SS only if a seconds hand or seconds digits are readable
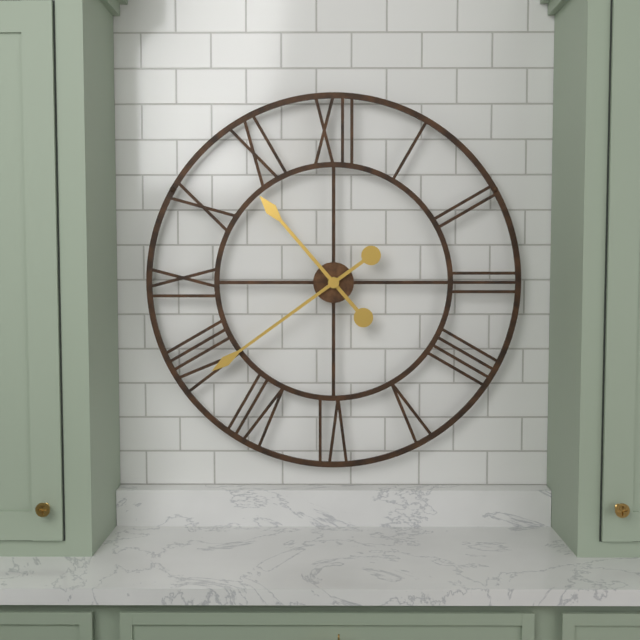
10:39
